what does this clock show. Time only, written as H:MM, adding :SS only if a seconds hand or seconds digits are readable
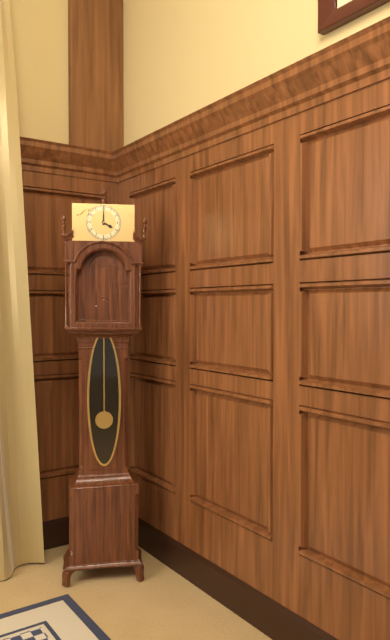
4:00
